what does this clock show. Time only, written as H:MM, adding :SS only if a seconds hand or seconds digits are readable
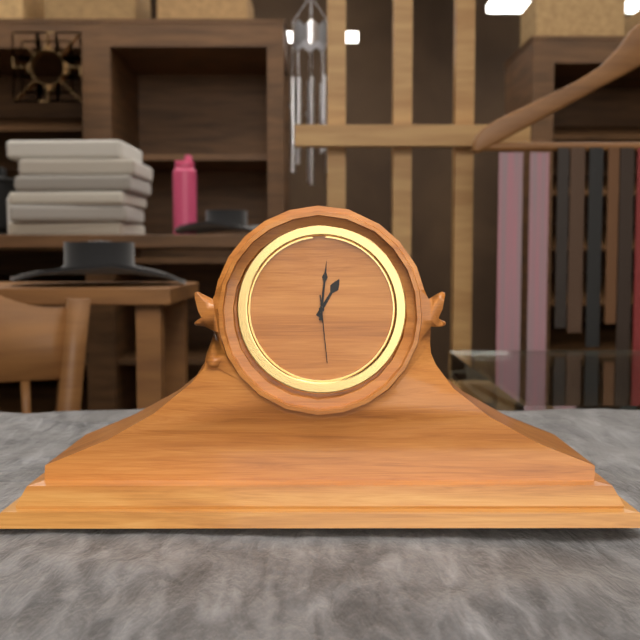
1:01:29
